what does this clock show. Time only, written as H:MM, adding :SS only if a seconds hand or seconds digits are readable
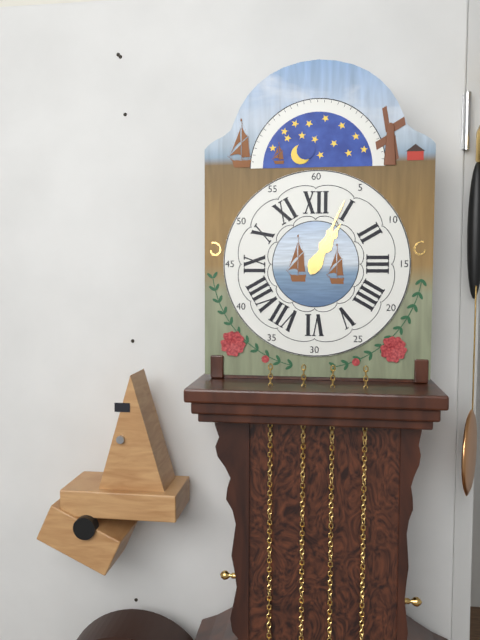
1:04
